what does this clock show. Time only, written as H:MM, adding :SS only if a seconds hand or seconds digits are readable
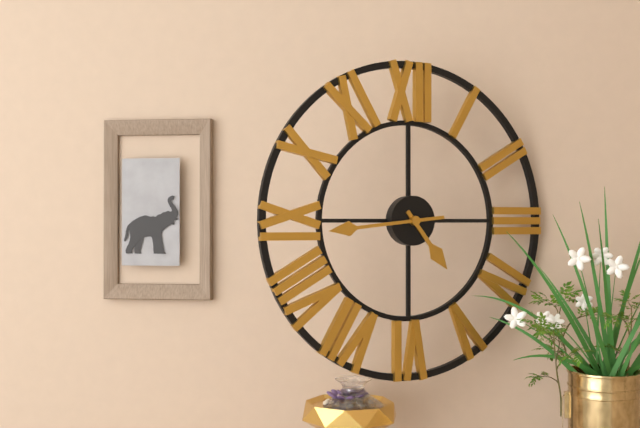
4:44
